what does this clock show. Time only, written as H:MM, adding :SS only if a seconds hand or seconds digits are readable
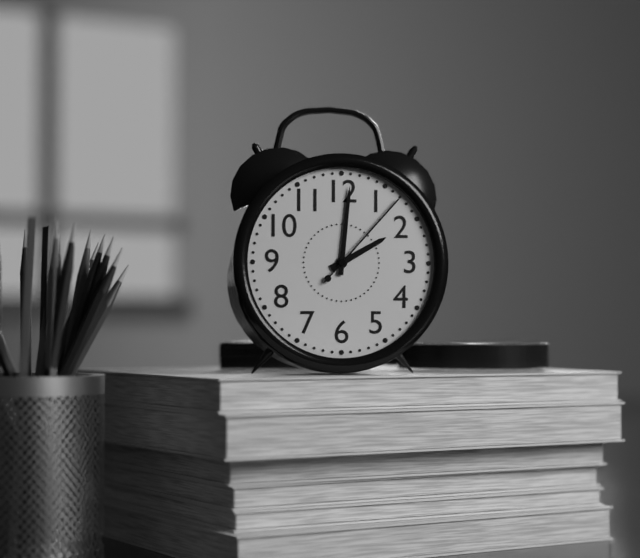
2:01:07
